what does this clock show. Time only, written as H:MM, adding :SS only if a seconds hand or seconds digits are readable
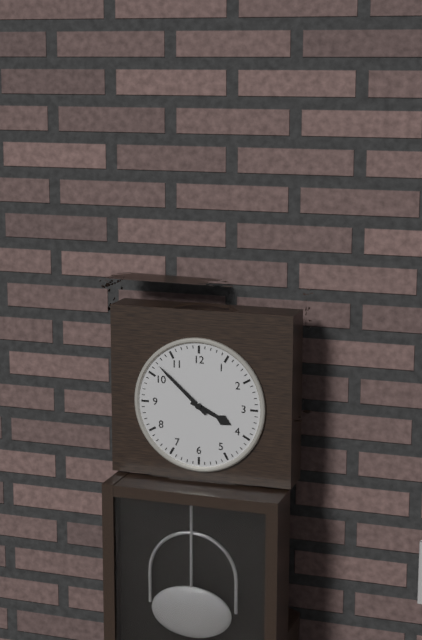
3:52
